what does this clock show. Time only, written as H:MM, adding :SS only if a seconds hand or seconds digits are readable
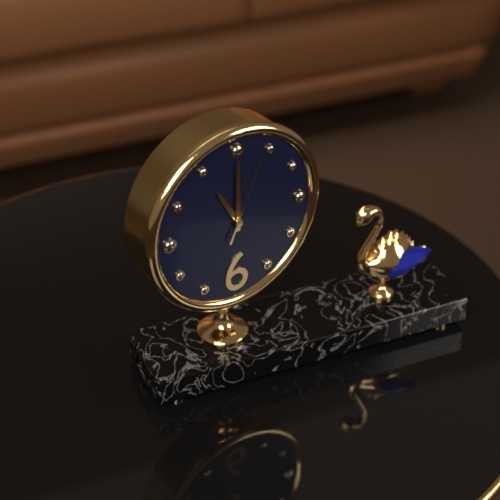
11:00:04
